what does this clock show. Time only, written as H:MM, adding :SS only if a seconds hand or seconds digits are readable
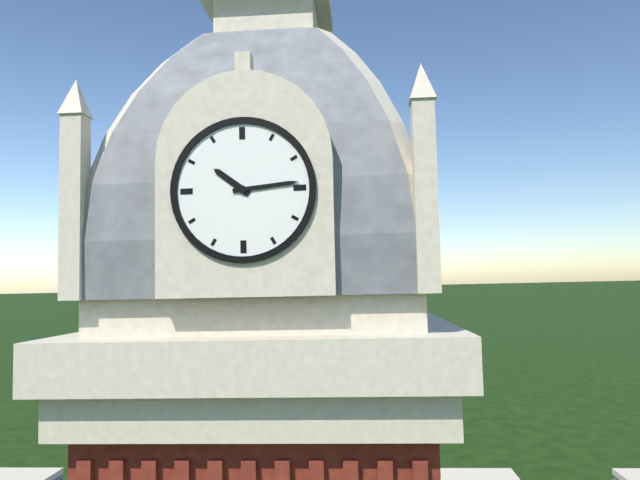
10:14
